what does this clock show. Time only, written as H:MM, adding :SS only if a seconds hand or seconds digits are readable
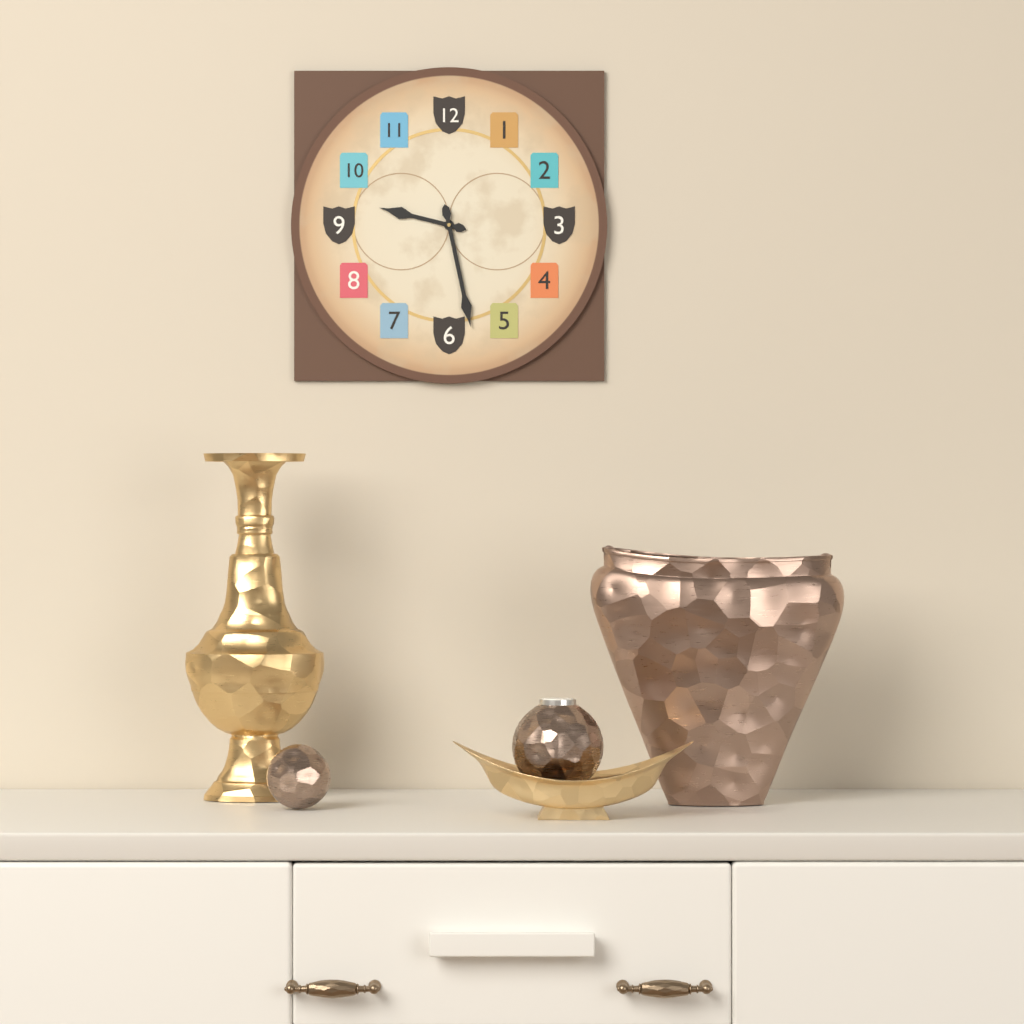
9:28
